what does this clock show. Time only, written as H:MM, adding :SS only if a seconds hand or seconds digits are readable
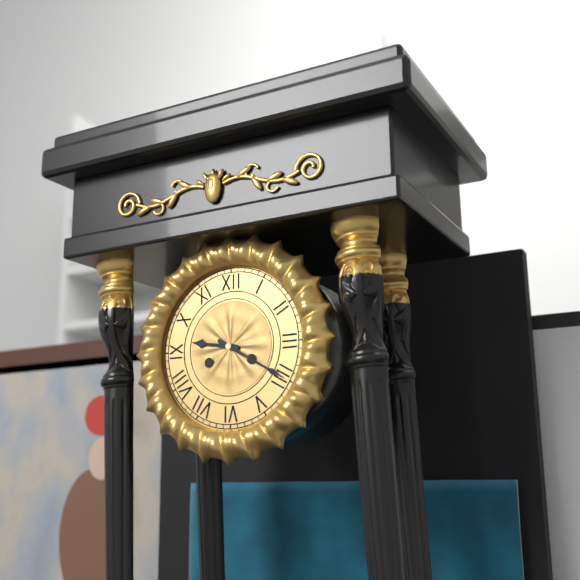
9:20
